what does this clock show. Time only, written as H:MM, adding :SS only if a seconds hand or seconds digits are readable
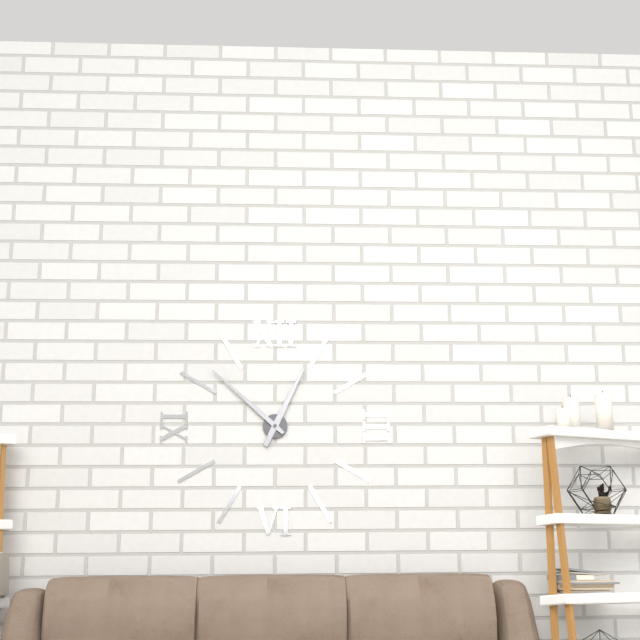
12:52
